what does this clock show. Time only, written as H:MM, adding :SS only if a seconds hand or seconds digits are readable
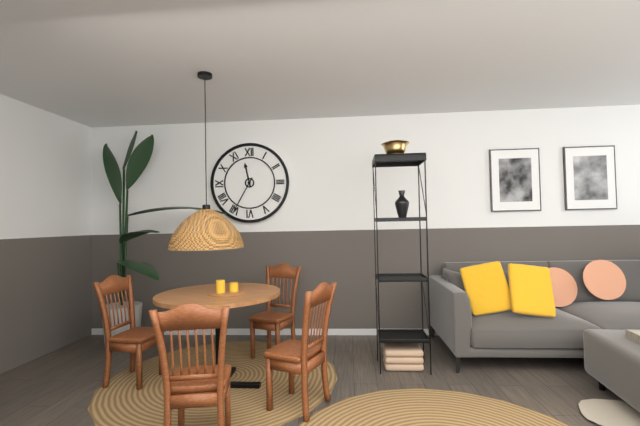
11:35
